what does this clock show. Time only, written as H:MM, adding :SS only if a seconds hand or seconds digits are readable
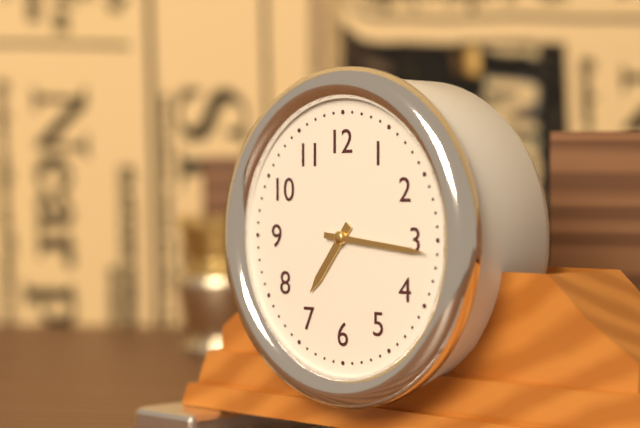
7:16
